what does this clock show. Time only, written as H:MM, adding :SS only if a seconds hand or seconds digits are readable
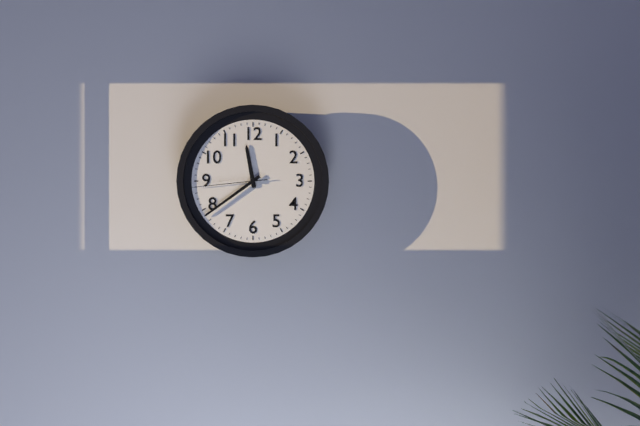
11:39:44
